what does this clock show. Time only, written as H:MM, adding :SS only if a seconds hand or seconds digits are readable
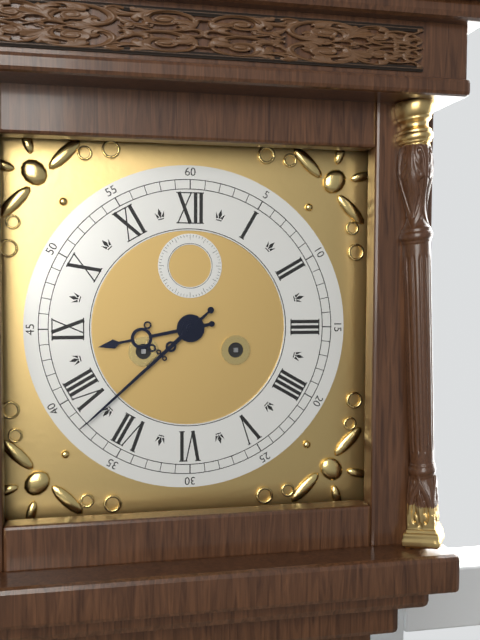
8:38
